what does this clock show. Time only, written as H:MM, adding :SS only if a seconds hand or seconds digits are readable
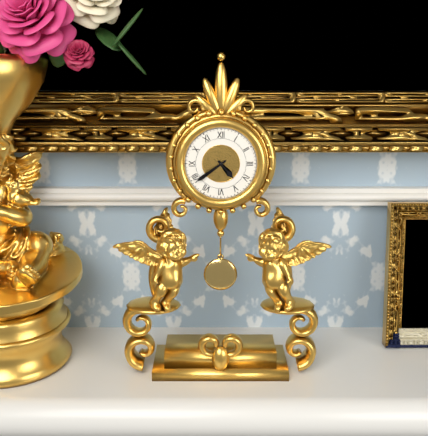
4:39
